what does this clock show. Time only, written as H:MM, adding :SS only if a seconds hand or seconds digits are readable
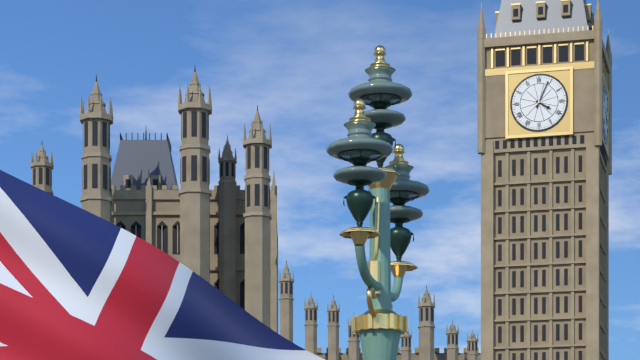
4:04
